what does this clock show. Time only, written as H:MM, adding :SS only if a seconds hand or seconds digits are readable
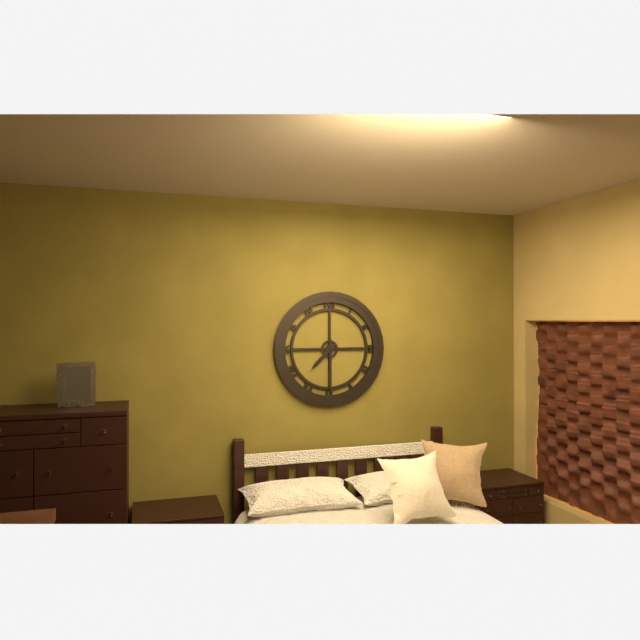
7:30
